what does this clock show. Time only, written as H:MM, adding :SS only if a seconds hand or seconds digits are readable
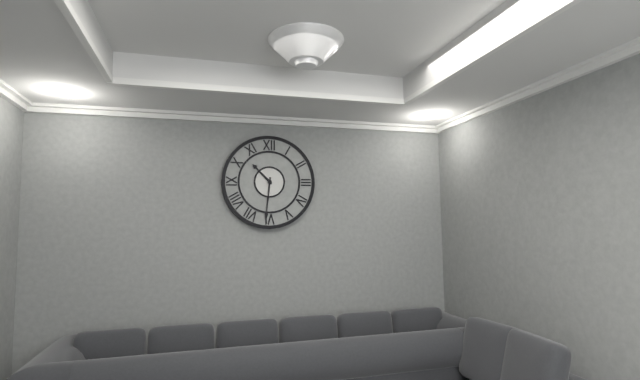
10:31
